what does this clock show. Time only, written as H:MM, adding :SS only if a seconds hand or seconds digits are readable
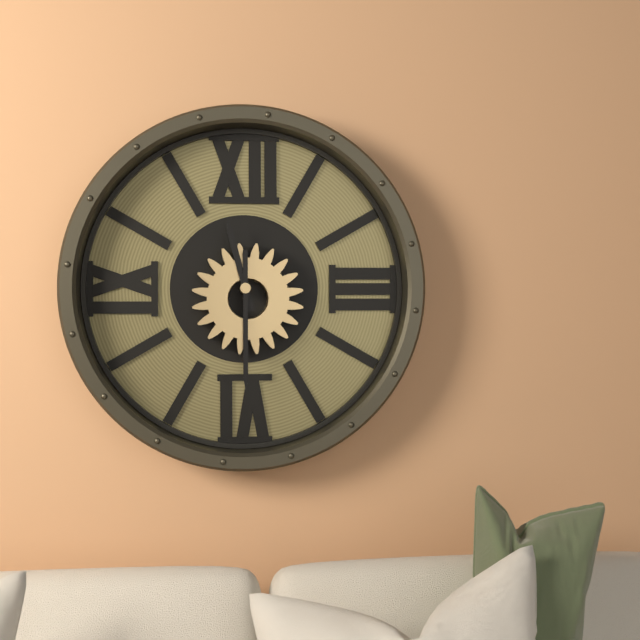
11:30
